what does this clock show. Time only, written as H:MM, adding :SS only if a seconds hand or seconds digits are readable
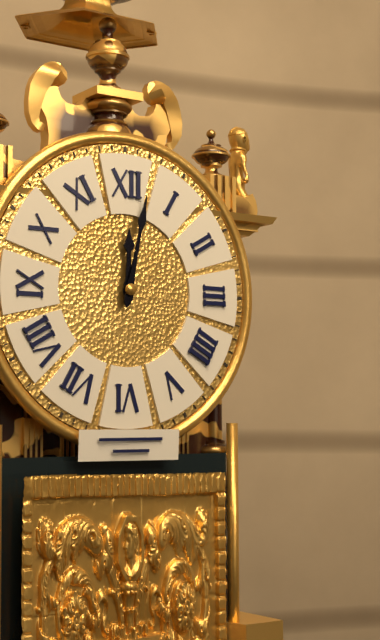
12:02
